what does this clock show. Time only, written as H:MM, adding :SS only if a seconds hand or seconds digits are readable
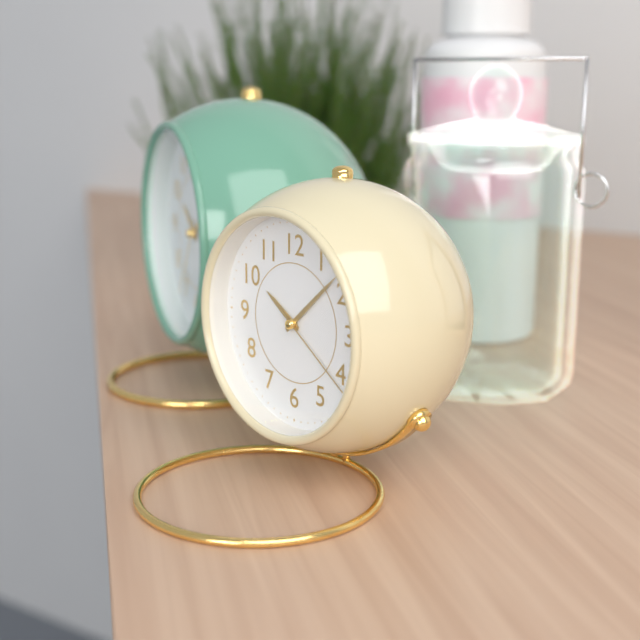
10:08:21
